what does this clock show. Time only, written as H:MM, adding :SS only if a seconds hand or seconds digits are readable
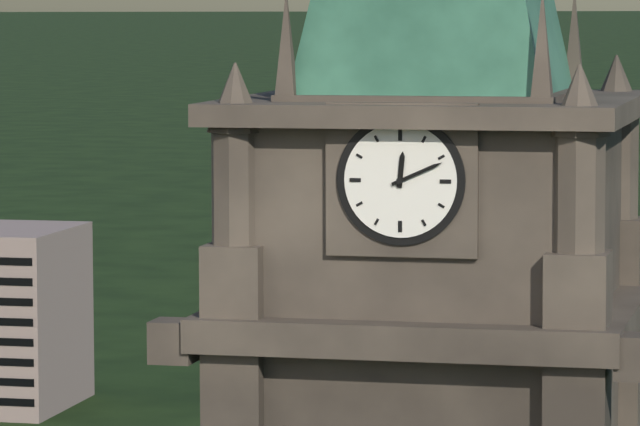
12:11
